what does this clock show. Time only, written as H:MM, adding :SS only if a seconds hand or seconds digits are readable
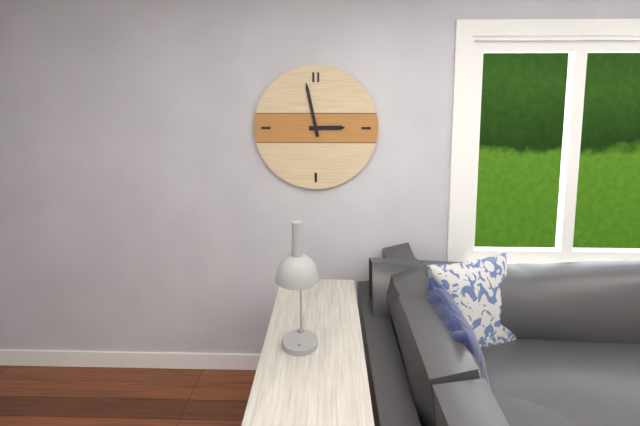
2:58
